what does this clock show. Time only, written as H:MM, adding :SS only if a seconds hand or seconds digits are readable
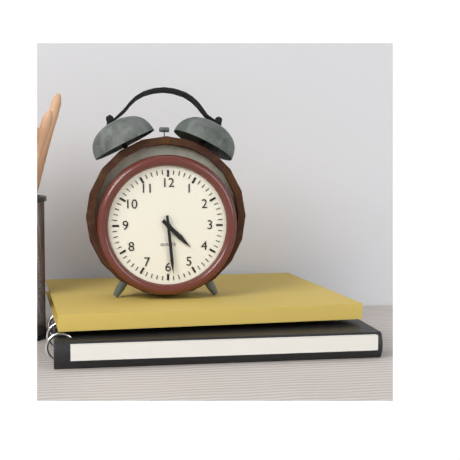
4:29
